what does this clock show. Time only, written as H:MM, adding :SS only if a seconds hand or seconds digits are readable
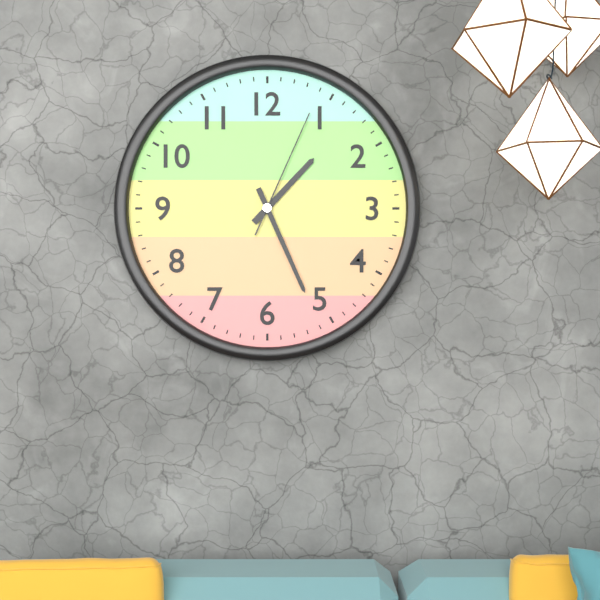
1:26:04
